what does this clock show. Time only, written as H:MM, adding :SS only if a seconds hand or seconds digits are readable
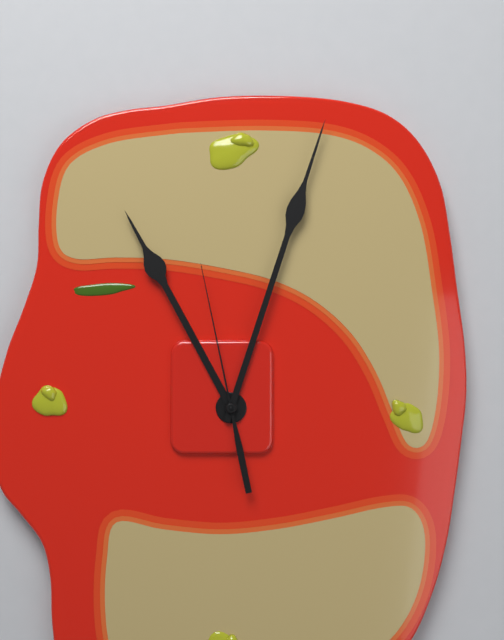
11:03:58
